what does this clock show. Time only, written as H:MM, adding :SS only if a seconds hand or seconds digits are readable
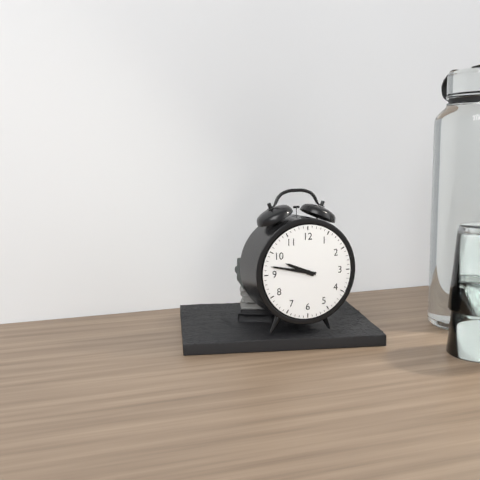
9:47
